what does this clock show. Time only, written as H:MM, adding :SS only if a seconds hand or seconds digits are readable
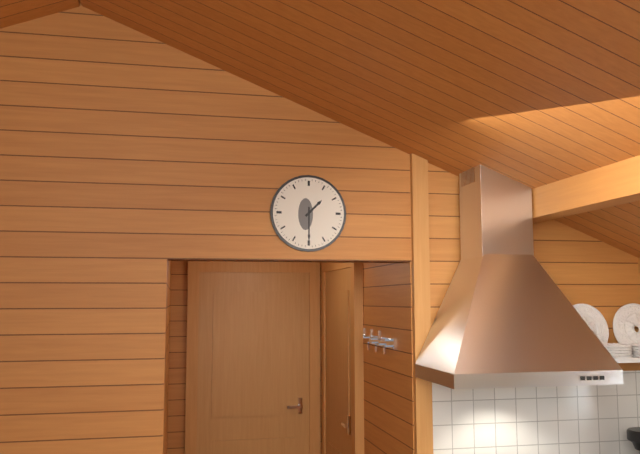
1:30
